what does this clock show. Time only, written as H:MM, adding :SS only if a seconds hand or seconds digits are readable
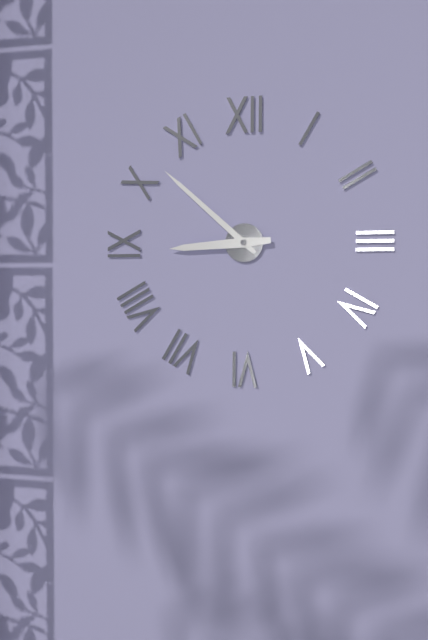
8:52
